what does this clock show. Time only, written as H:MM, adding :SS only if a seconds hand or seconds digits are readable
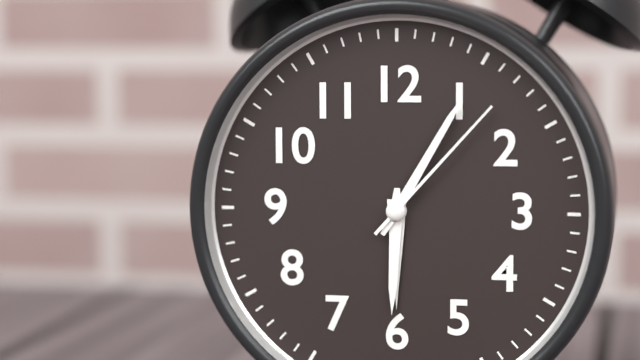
6:05:07
